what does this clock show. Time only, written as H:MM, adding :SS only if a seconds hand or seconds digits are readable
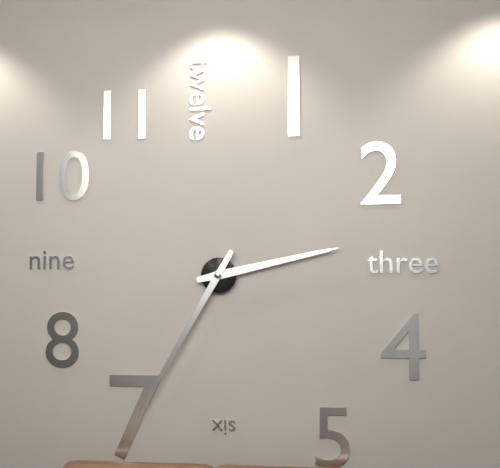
2:35
